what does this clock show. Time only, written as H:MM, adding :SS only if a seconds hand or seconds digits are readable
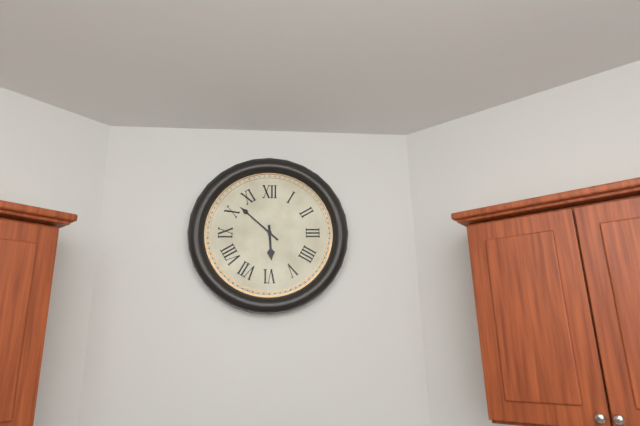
5:52
